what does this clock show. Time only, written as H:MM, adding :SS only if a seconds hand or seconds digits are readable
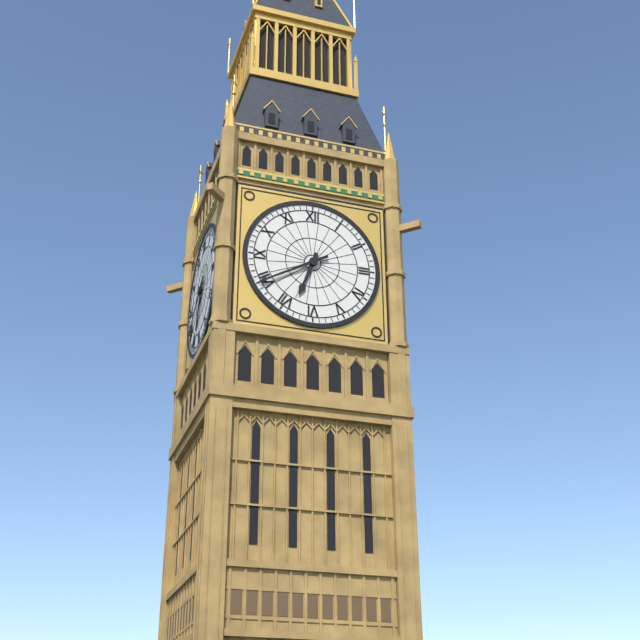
6:40
